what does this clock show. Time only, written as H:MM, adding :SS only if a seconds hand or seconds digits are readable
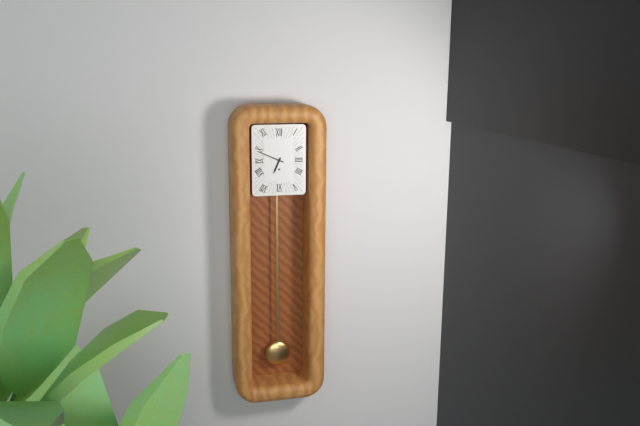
6:49
